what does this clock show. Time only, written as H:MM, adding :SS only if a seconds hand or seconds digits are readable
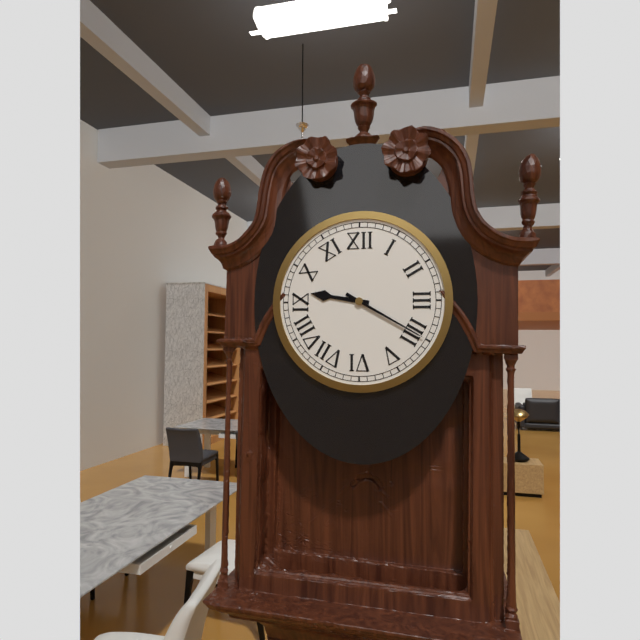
9:20
